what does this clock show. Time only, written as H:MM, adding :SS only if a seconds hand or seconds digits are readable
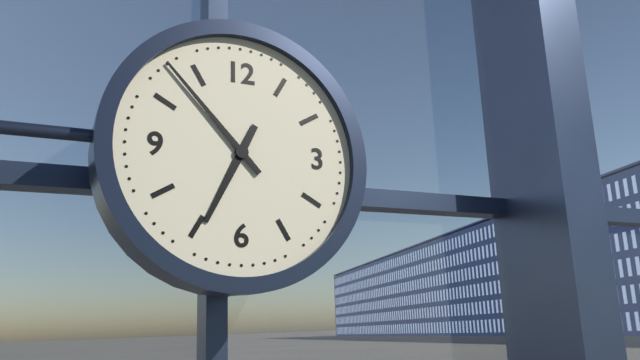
6:53
